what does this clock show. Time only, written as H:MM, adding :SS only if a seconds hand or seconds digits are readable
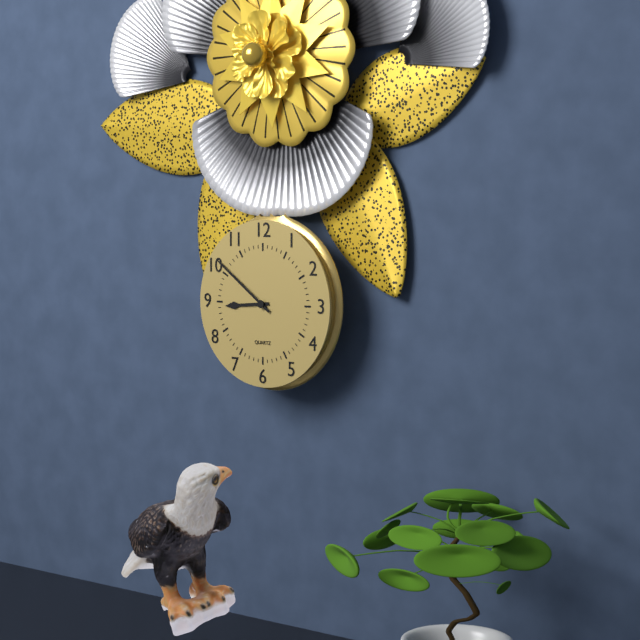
8:51
